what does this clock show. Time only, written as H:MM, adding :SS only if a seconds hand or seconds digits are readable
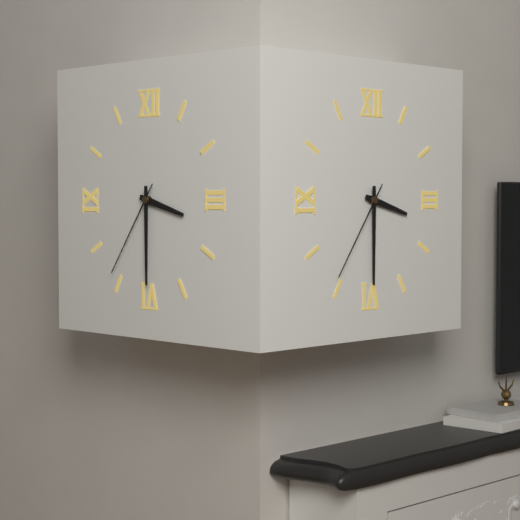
3:30:36
